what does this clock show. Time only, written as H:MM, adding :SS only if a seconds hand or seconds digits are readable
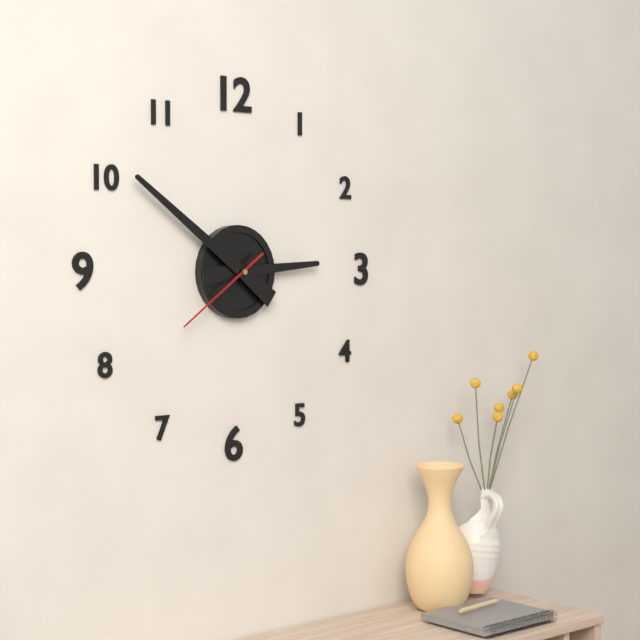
2:51:39
